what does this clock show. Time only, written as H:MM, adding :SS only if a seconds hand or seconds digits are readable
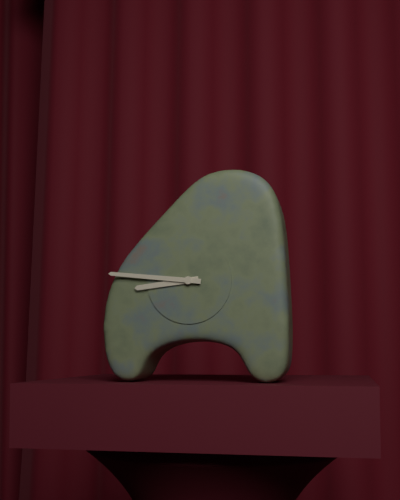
8:46
